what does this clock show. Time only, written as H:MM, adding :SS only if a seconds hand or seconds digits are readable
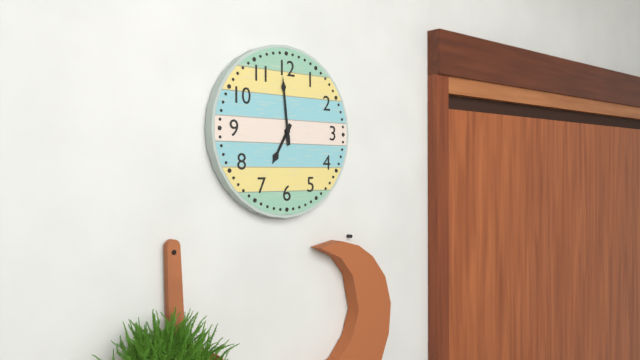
6:59
